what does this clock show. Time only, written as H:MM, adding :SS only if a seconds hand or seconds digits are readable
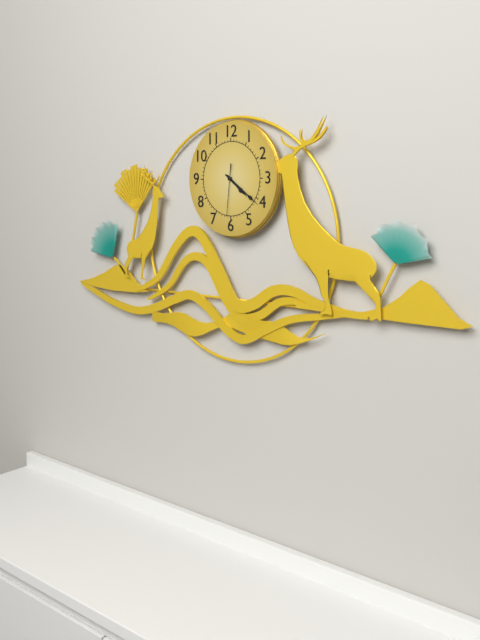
4:21:31
